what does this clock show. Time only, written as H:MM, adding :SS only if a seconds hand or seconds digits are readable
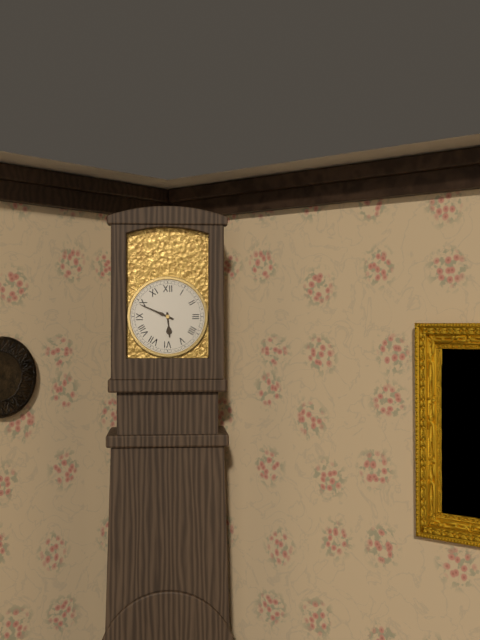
5:49
